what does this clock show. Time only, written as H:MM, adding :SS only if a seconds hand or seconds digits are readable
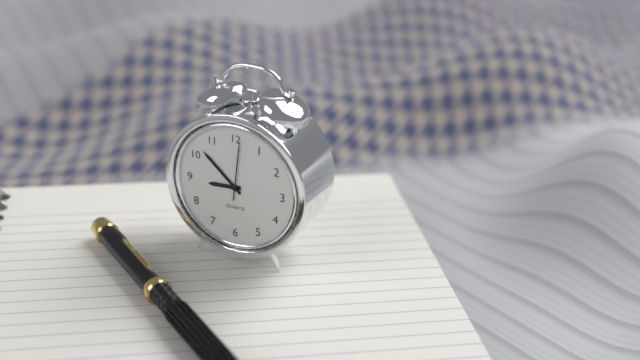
8:52:01
